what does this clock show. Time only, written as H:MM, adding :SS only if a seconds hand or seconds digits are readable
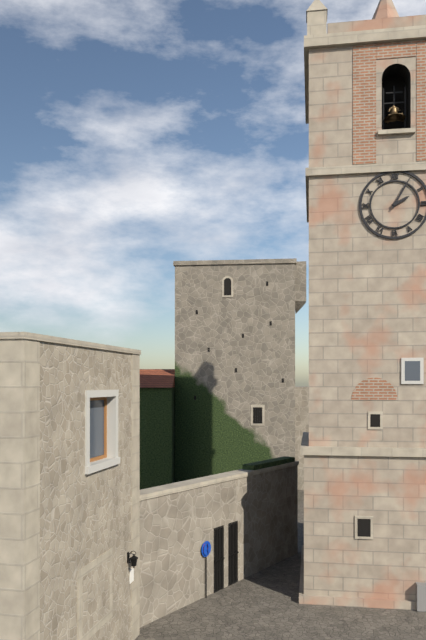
2:05
